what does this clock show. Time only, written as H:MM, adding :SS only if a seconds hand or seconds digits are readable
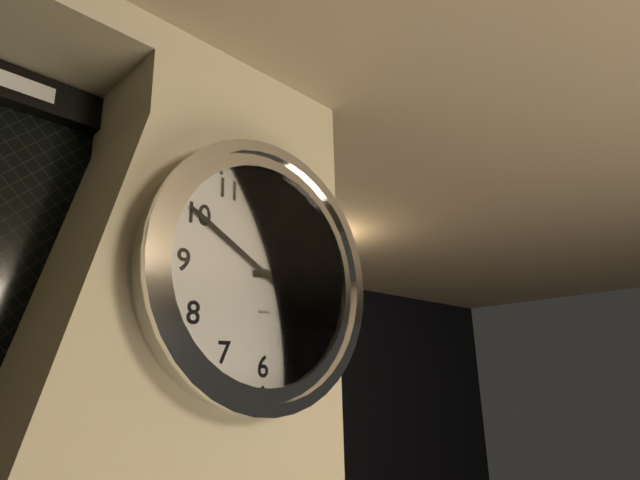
2:50
